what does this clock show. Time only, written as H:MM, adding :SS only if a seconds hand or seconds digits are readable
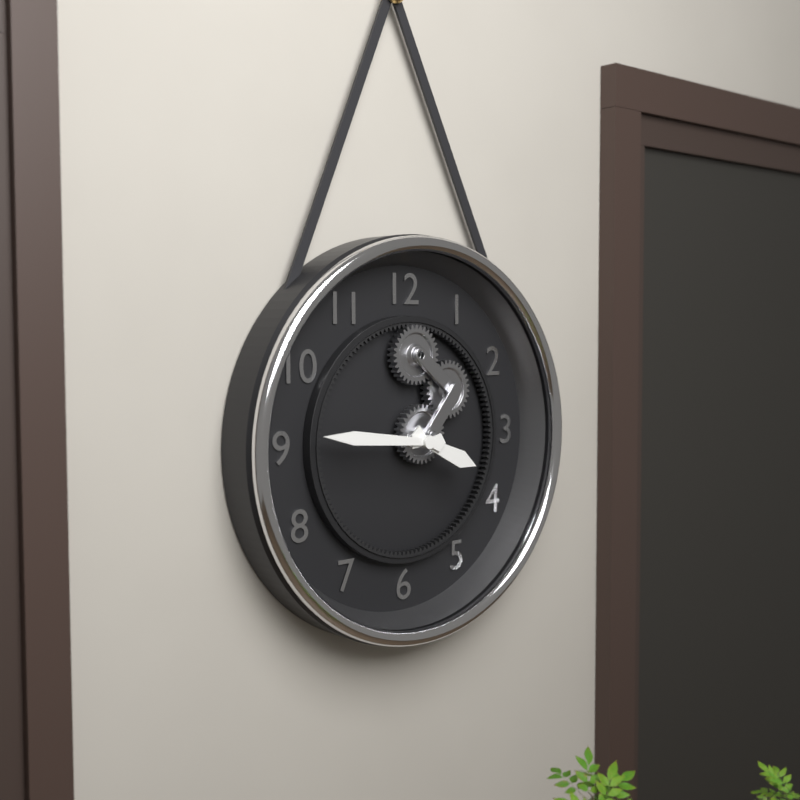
3:46
